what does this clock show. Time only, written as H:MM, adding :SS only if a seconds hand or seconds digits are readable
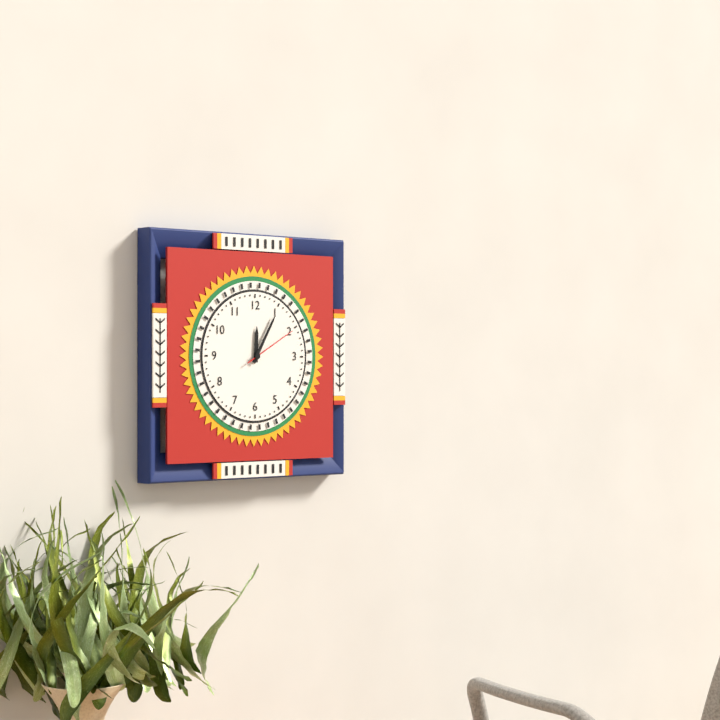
12:05:10
